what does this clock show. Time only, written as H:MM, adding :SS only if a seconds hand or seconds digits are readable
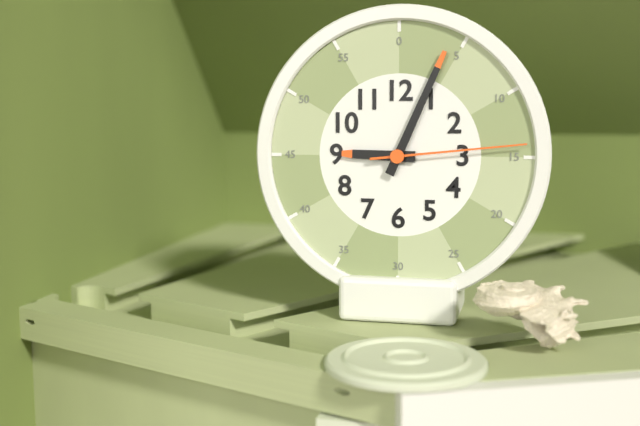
9:04:14
